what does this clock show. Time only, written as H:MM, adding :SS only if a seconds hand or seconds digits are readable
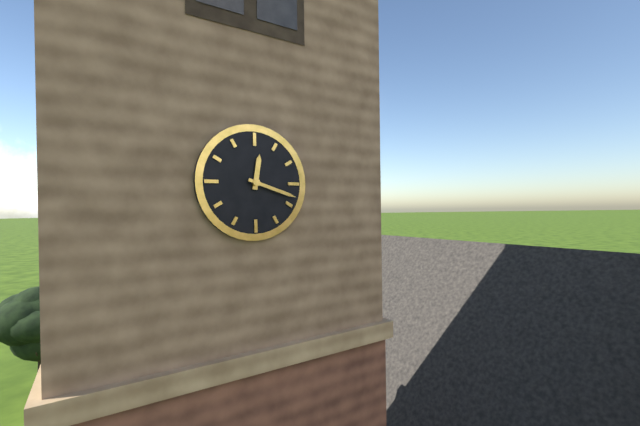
12:18
